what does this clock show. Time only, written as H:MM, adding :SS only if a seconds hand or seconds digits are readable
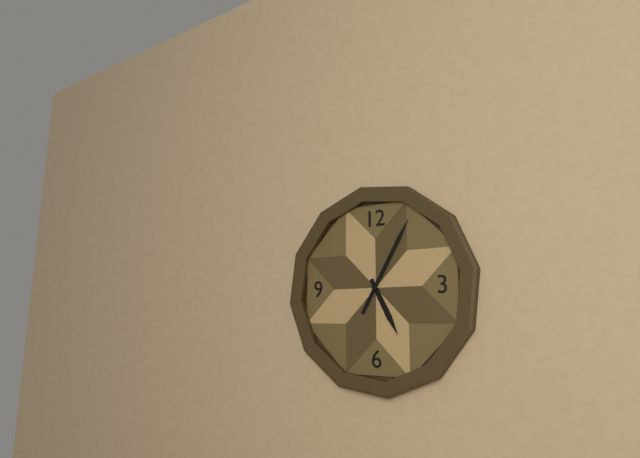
5:05
